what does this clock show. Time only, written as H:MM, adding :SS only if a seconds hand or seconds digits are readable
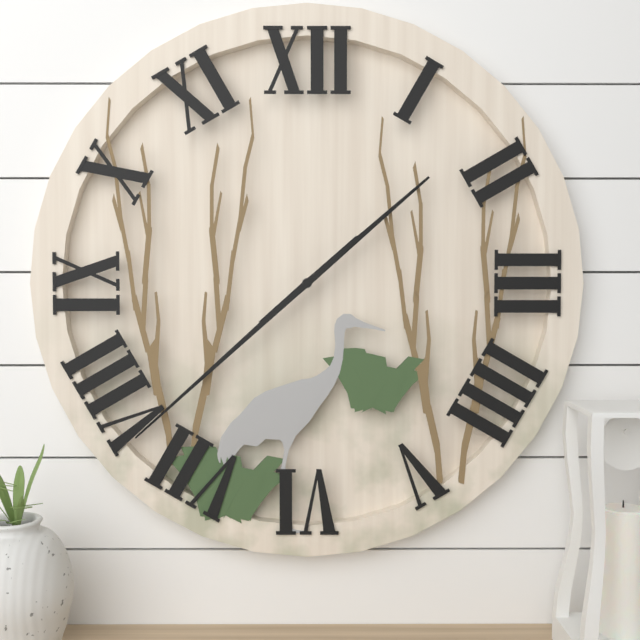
1:38
